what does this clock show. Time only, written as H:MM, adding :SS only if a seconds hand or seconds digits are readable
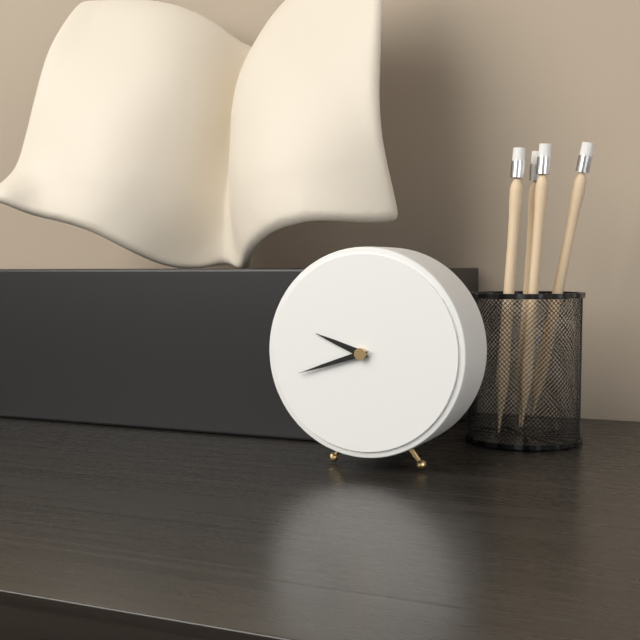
9:42
